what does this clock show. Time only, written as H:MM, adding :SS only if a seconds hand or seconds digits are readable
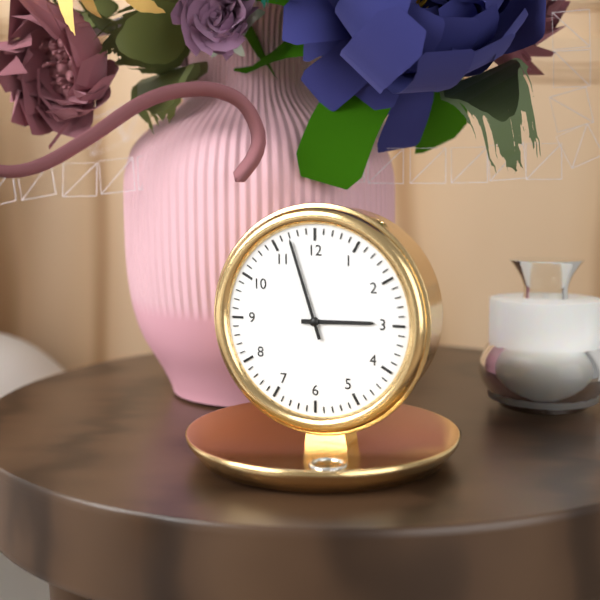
2:57
